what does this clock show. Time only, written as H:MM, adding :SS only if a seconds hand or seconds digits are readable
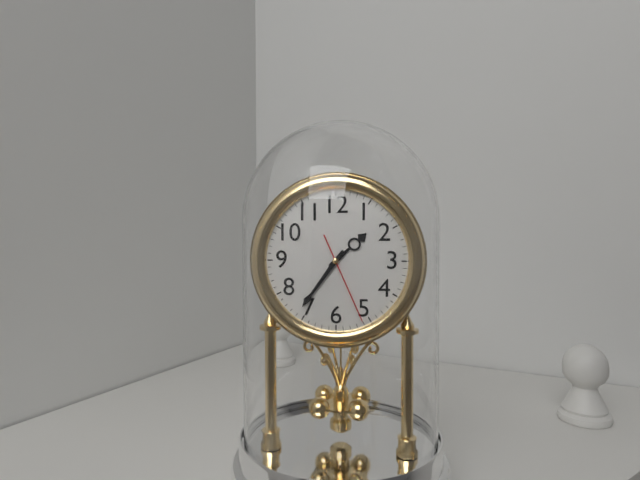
1:36:26
